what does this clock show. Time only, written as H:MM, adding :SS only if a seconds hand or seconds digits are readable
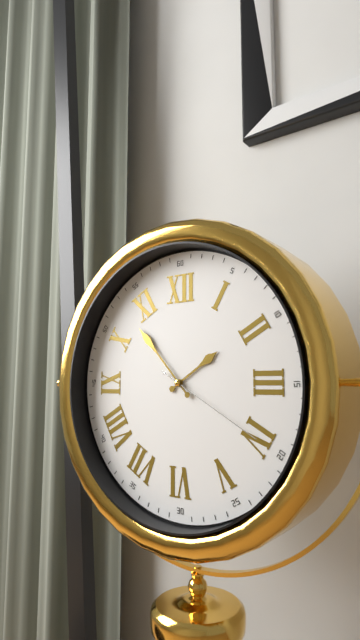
1:53:20
